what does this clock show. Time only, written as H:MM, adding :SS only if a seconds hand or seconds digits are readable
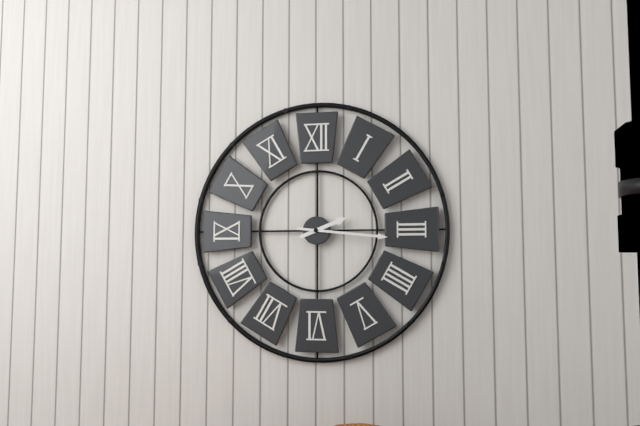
2:16
